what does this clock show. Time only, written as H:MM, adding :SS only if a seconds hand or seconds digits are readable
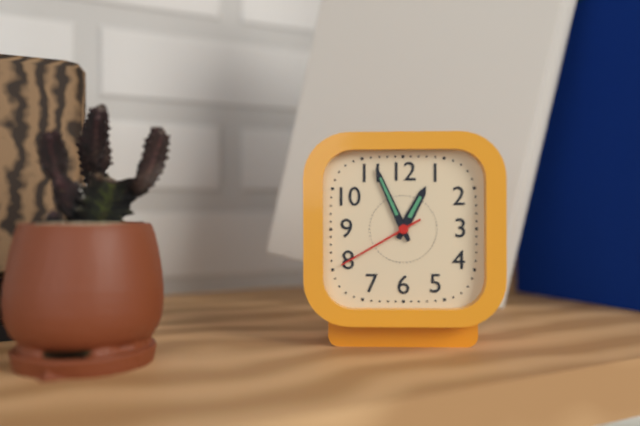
12:56:40
